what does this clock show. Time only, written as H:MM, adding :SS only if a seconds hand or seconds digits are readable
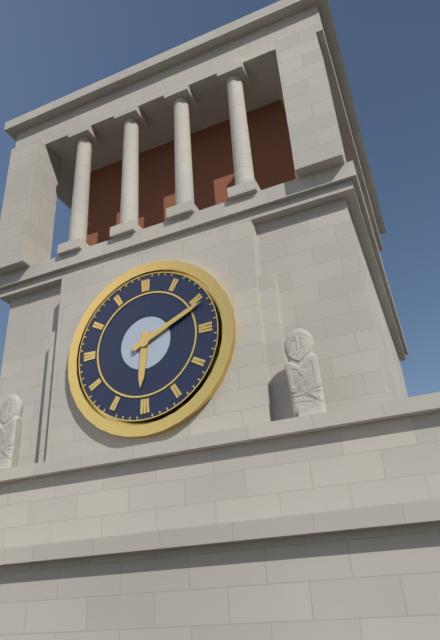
6:11
